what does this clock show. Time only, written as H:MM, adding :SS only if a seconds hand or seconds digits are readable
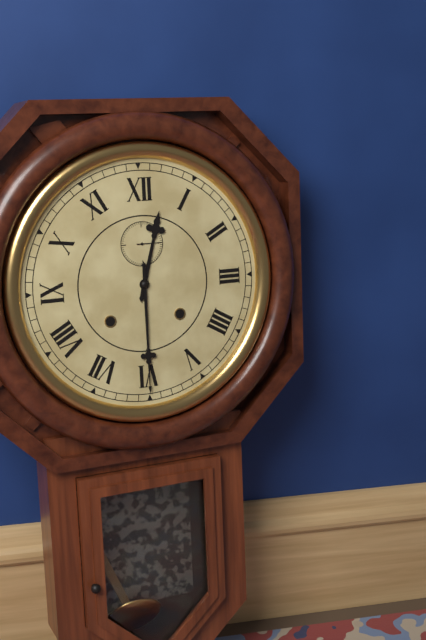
12:30
